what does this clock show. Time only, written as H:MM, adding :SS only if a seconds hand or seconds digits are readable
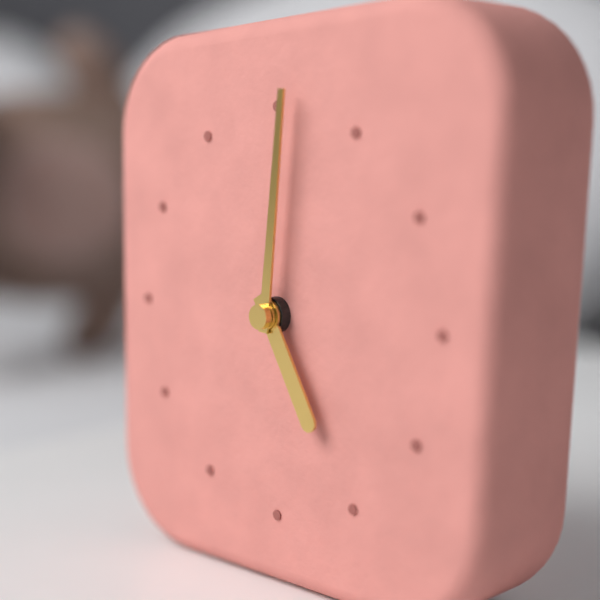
5:01
